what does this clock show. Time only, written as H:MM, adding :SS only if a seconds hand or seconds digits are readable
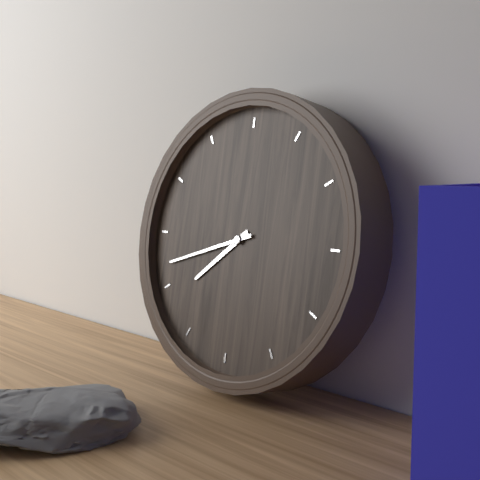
7:42
